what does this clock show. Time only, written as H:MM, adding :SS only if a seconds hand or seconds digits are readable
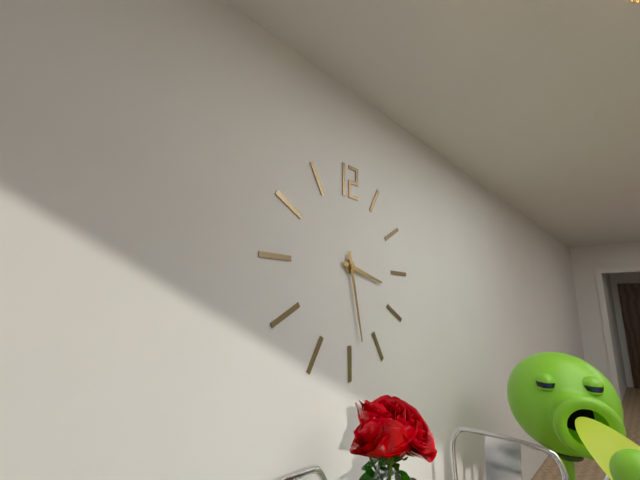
3:28
